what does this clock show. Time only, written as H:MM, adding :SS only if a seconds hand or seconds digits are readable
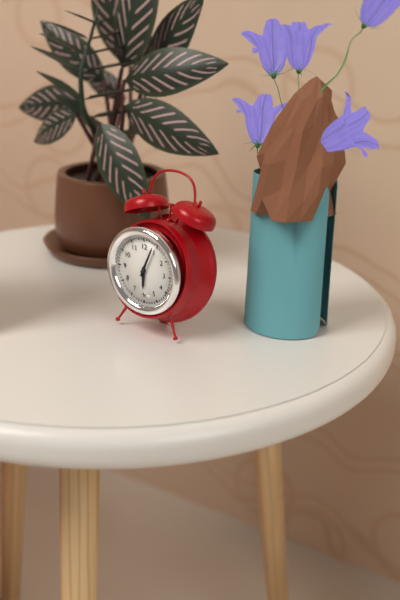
6:04
